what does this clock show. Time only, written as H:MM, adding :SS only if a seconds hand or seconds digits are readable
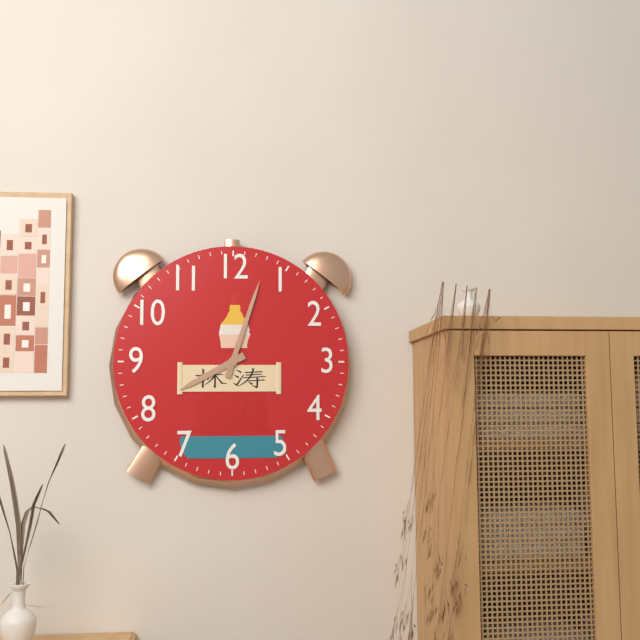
8:03
